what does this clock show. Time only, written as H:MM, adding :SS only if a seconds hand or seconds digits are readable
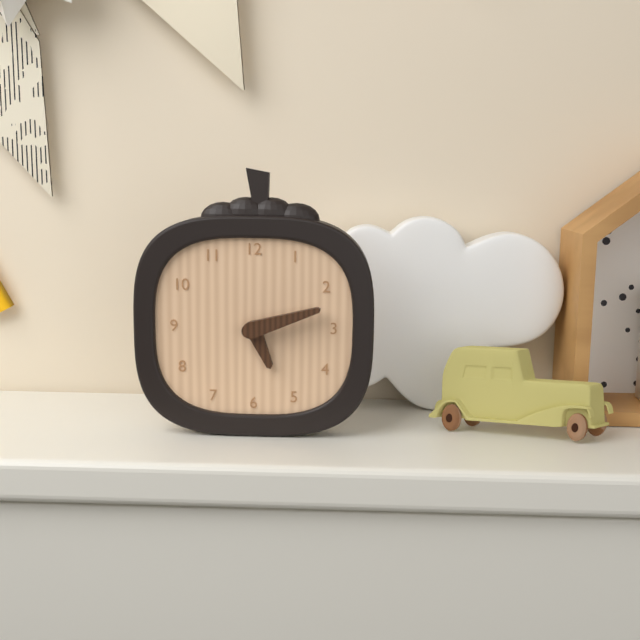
5:12
